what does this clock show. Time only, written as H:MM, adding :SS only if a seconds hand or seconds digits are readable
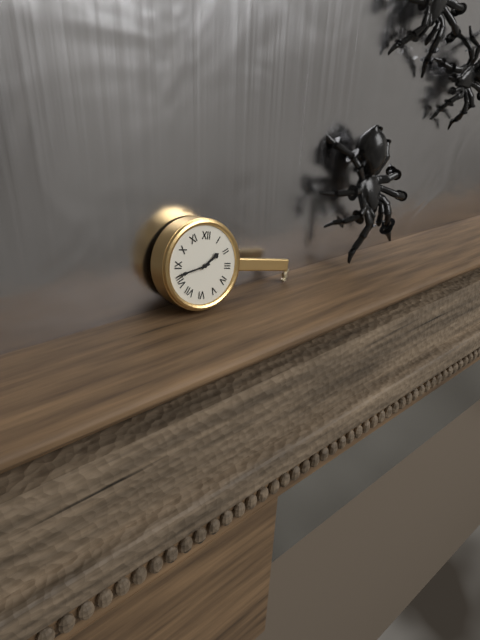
1:42
